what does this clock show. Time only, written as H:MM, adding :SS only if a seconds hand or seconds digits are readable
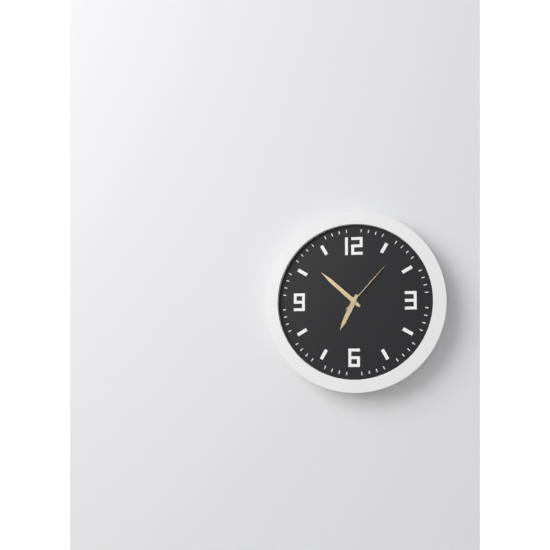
6:52:07
